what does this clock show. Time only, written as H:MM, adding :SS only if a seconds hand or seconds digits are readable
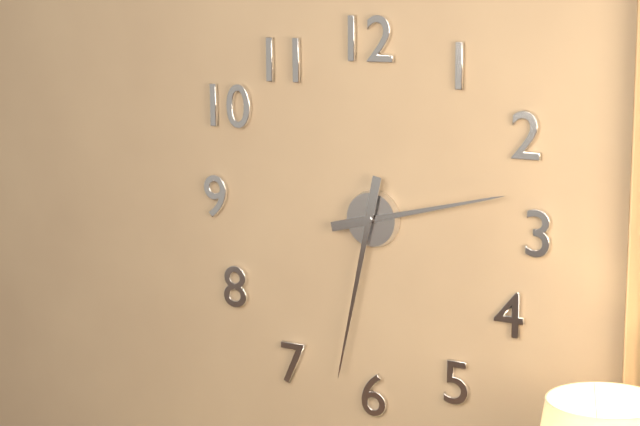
2:32
